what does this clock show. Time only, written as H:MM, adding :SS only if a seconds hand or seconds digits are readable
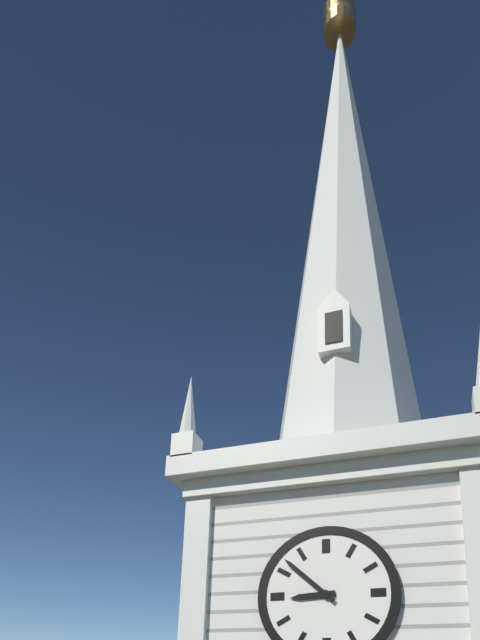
8:52
